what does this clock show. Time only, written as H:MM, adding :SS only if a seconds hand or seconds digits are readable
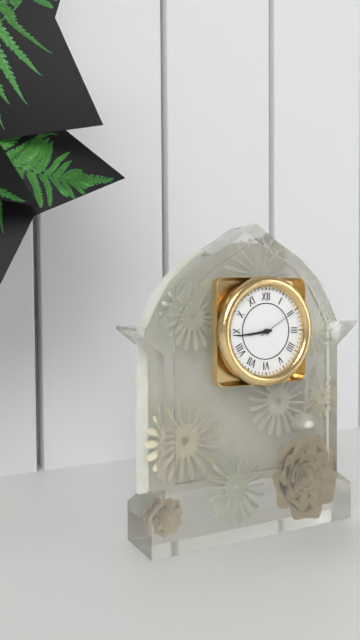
8:44
